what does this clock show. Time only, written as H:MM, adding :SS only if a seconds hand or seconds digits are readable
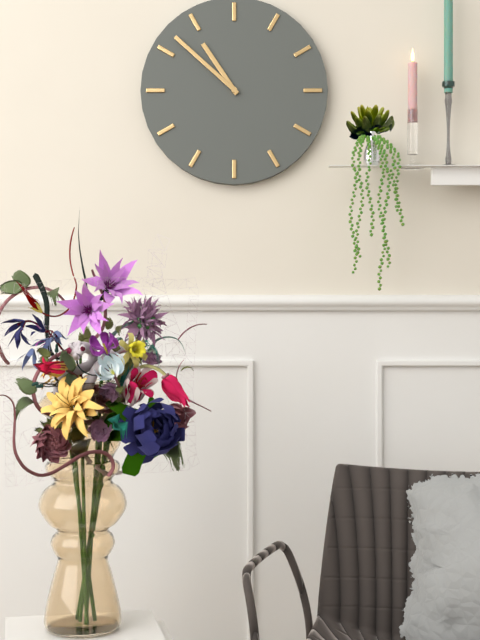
10:52
